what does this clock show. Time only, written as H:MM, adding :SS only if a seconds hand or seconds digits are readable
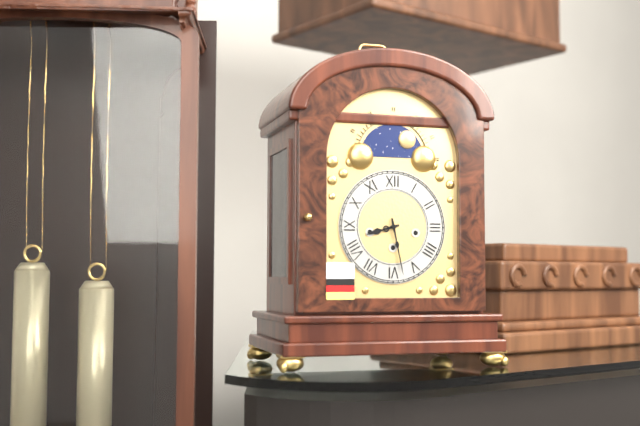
8:28
